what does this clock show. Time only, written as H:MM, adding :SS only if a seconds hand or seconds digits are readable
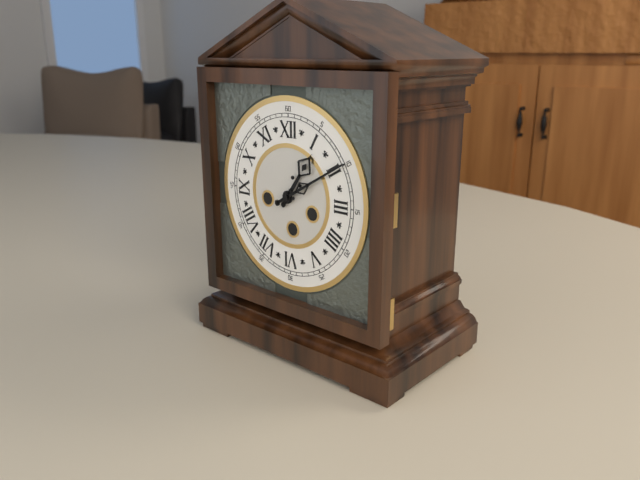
1:10
